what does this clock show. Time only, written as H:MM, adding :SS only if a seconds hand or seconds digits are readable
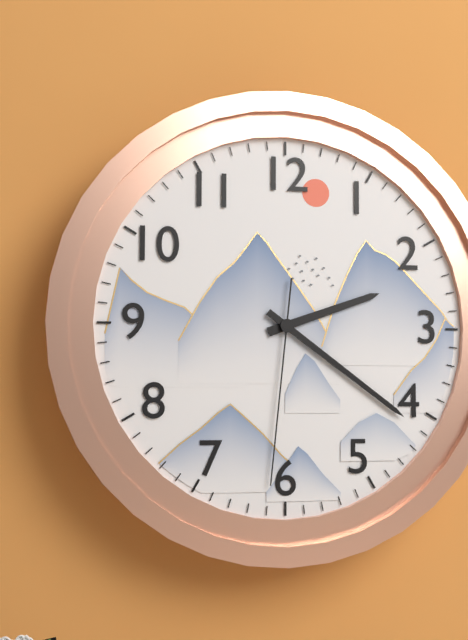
2:21:31
